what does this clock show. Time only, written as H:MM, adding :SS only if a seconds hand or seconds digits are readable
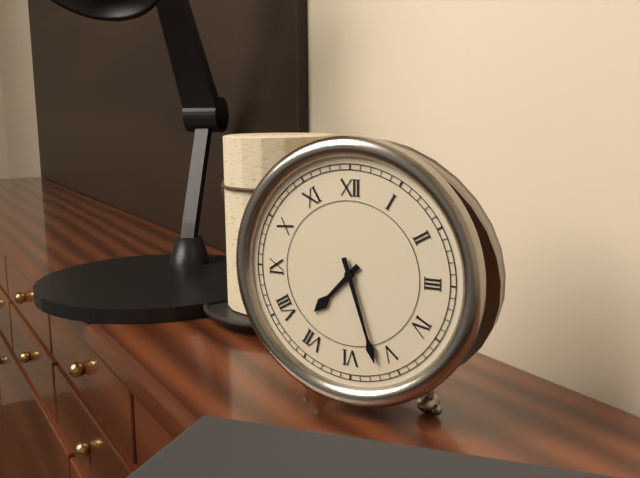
7:27
